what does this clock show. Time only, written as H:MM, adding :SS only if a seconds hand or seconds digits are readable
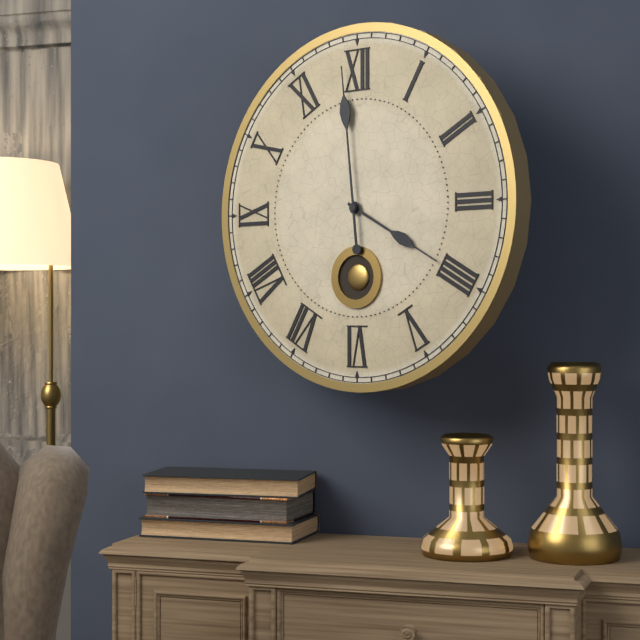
3:59
